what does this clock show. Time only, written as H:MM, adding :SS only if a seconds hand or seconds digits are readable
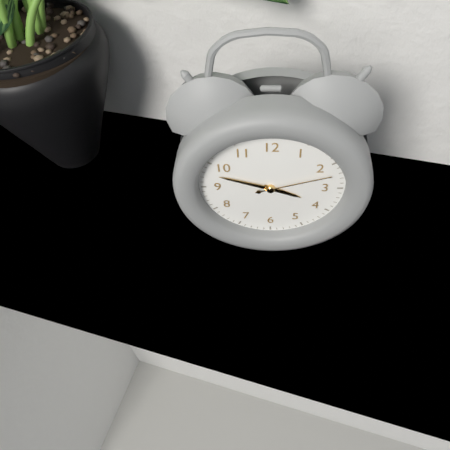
3:48:12
